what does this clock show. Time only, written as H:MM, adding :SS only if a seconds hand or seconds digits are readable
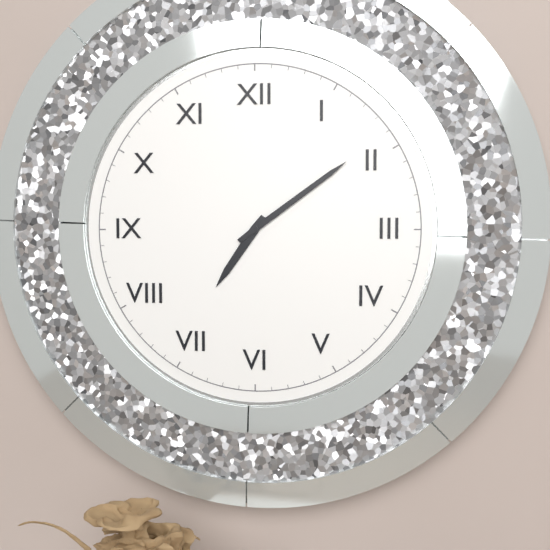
7:09
